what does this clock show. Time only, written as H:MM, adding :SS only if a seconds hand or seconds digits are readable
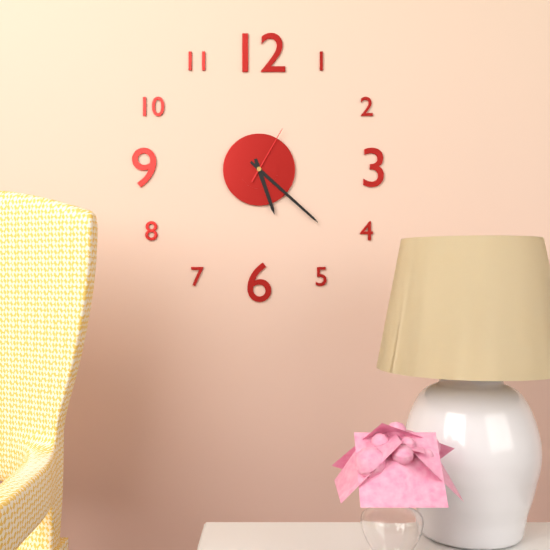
5:22:05
